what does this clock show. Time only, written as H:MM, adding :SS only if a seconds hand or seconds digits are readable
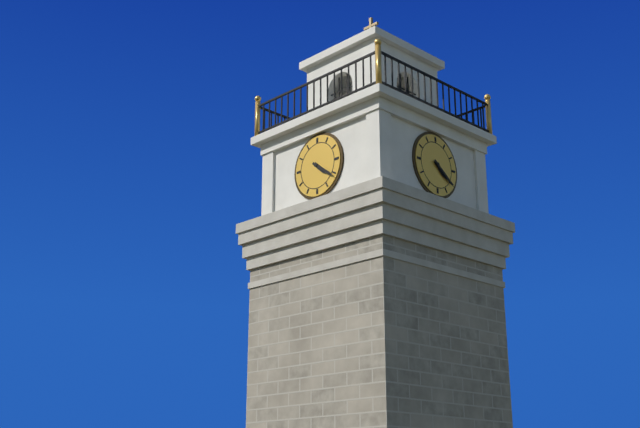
4:21
